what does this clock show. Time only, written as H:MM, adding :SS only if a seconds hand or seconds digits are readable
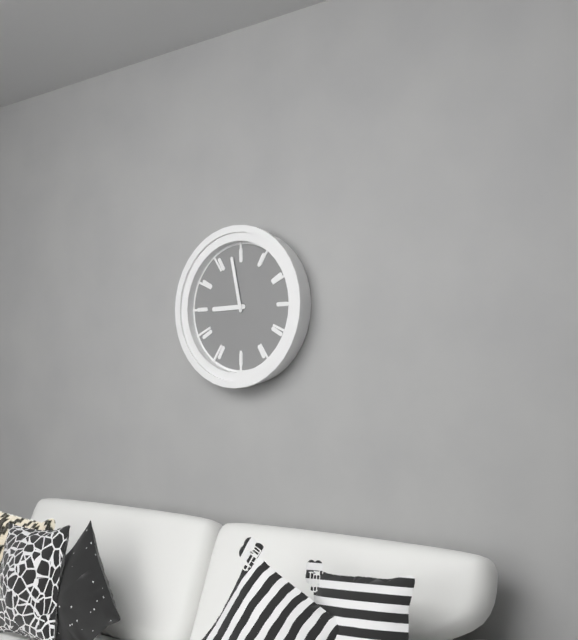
8:58
